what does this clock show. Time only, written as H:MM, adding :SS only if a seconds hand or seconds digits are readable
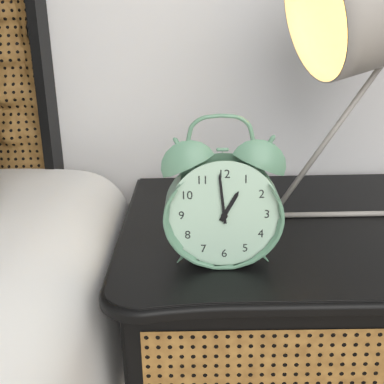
12:59
